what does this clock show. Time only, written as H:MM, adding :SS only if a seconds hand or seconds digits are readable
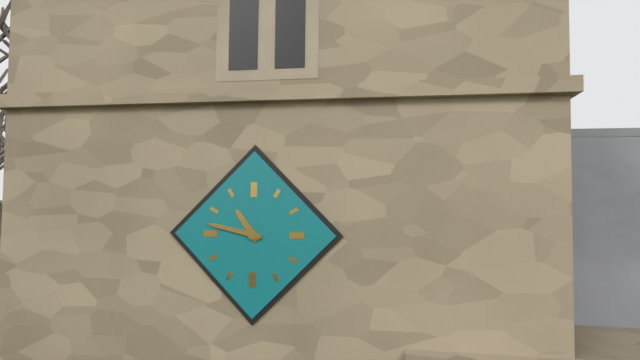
10:47
